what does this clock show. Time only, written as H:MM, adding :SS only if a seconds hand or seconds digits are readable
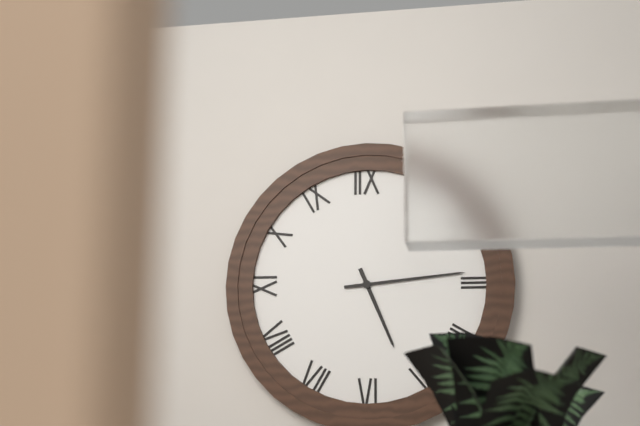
5:14
